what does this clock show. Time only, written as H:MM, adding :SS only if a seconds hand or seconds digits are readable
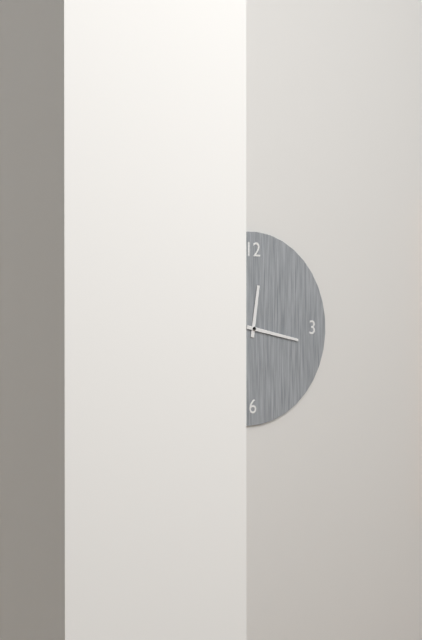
12:17
